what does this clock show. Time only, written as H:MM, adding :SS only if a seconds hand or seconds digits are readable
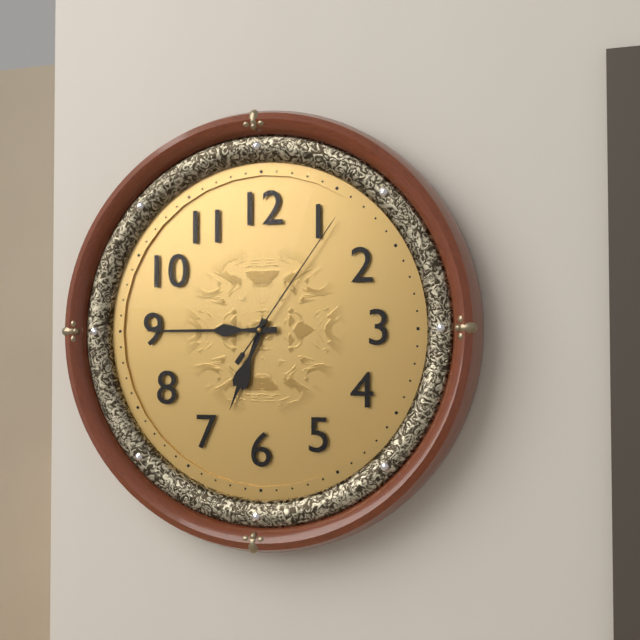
6:45:06
